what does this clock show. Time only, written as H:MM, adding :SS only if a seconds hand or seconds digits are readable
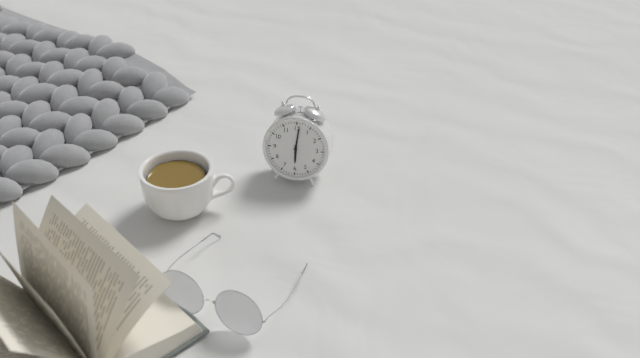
6:01
